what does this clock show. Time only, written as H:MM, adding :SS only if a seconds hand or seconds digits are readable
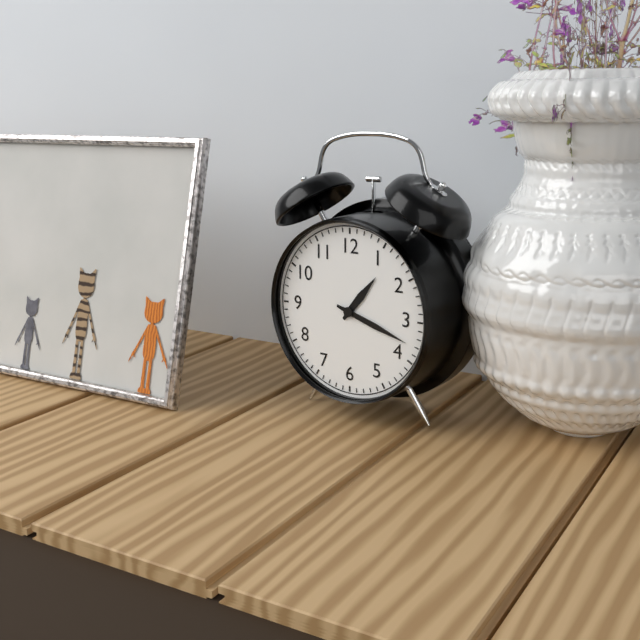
1:18
